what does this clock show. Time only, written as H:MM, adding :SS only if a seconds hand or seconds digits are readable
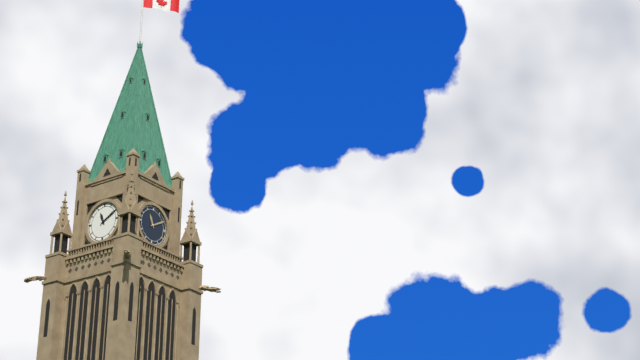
11:10
